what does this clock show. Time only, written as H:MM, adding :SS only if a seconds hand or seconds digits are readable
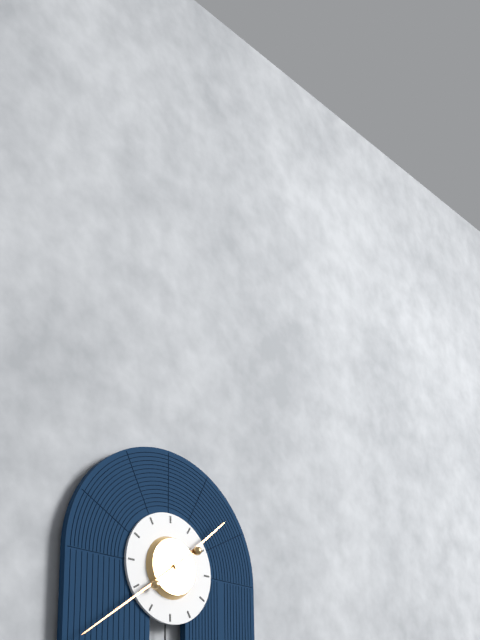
1:39
